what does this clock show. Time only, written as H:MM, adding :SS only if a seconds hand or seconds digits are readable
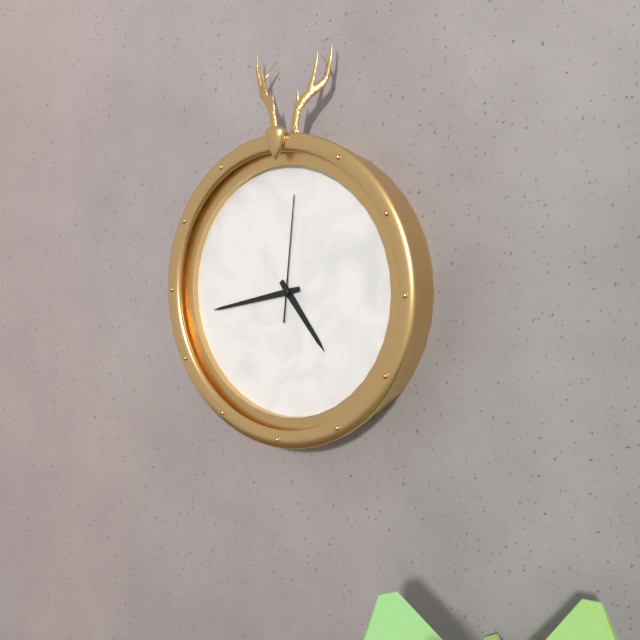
4:43:01
